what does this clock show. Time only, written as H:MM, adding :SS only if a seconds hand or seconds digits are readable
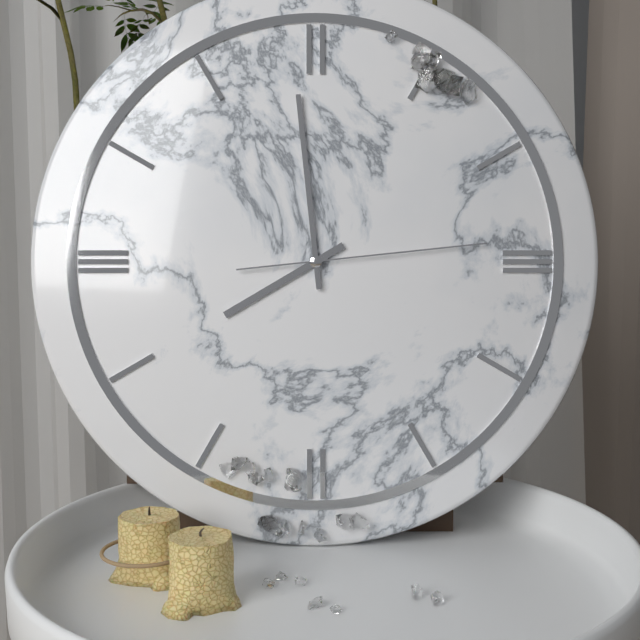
7:59:14
